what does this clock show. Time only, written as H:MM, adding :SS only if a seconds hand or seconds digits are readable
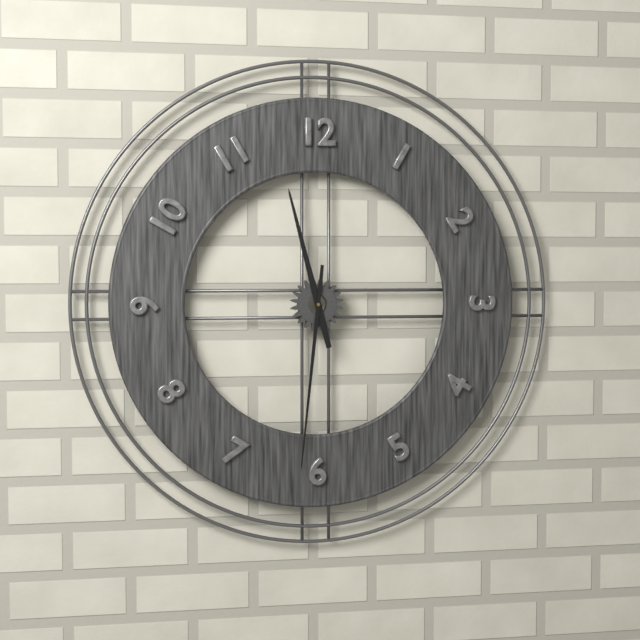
11:31
